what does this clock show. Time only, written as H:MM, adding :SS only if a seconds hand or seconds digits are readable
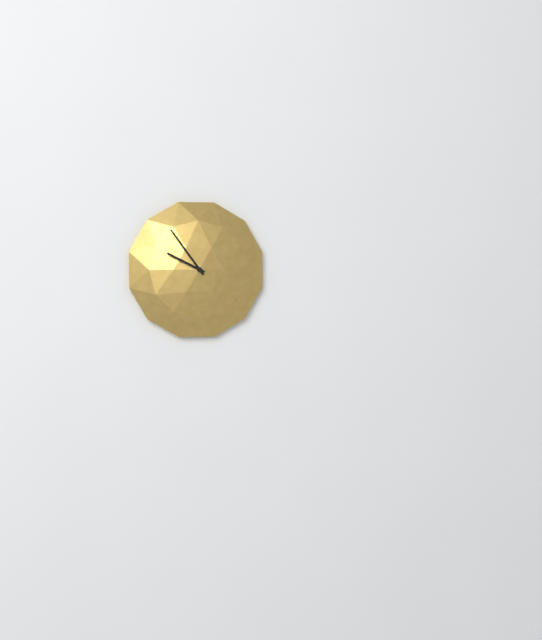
9:54
